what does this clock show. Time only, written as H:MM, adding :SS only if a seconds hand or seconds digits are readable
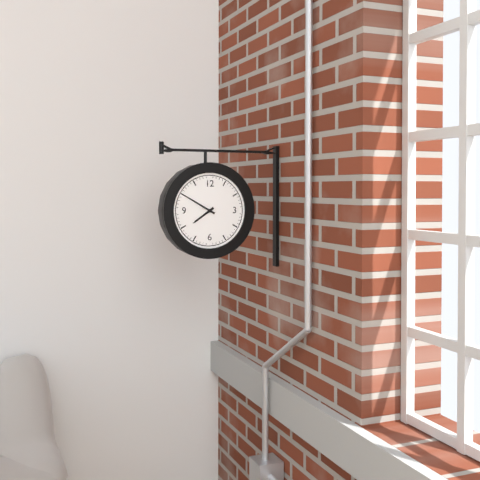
7:50
